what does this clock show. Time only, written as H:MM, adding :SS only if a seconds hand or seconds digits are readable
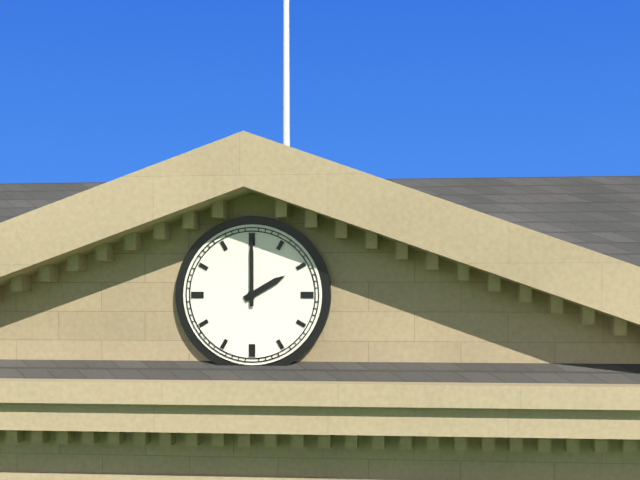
2:00
